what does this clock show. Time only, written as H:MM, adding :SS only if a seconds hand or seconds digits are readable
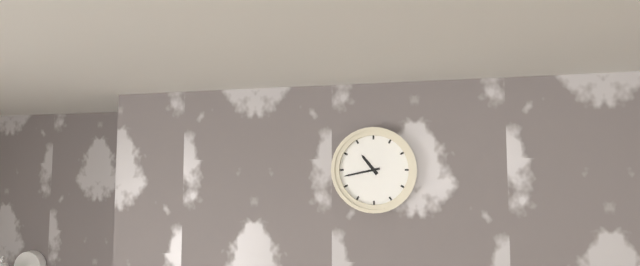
10:43
